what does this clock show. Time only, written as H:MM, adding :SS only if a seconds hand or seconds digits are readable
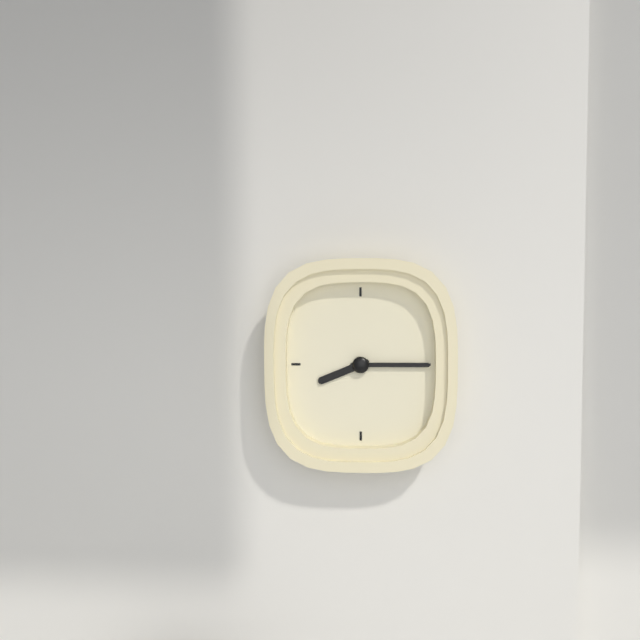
8:15
